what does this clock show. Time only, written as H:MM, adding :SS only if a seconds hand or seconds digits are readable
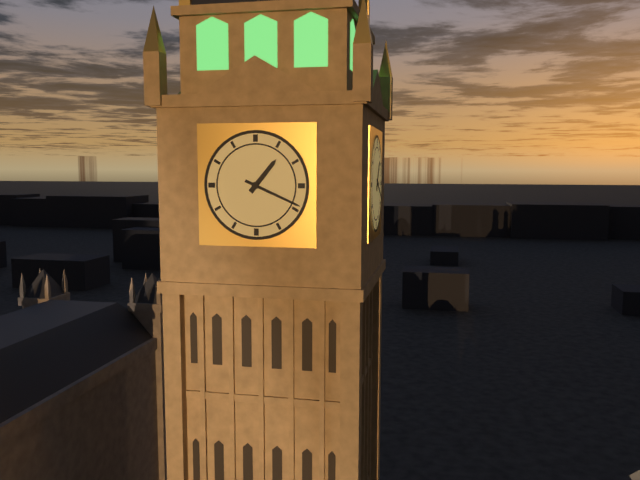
1:19
